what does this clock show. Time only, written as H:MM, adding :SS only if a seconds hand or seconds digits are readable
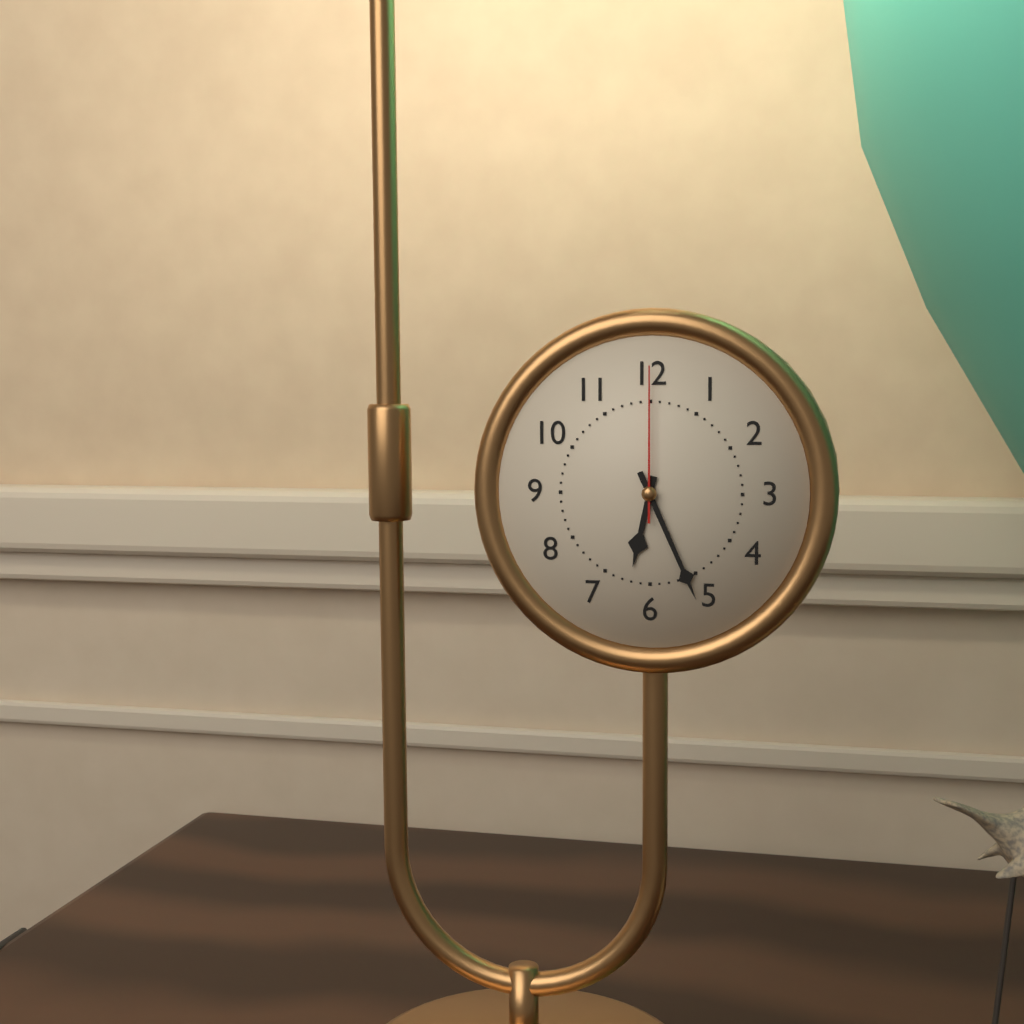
6:26:00
